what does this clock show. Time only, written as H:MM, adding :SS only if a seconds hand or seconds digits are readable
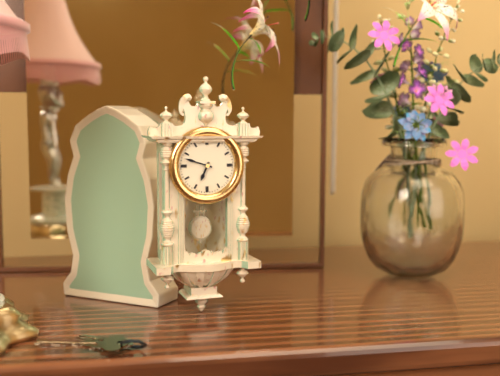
6:48
